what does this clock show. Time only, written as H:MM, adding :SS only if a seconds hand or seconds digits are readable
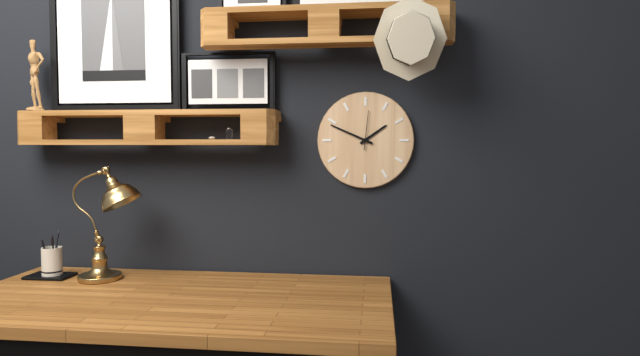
1:49
